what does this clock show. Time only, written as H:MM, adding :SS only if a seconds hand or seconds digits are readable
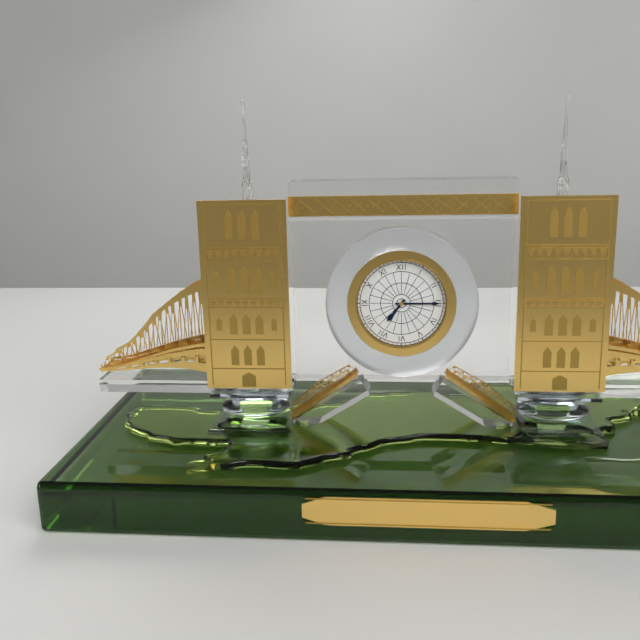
7:15
